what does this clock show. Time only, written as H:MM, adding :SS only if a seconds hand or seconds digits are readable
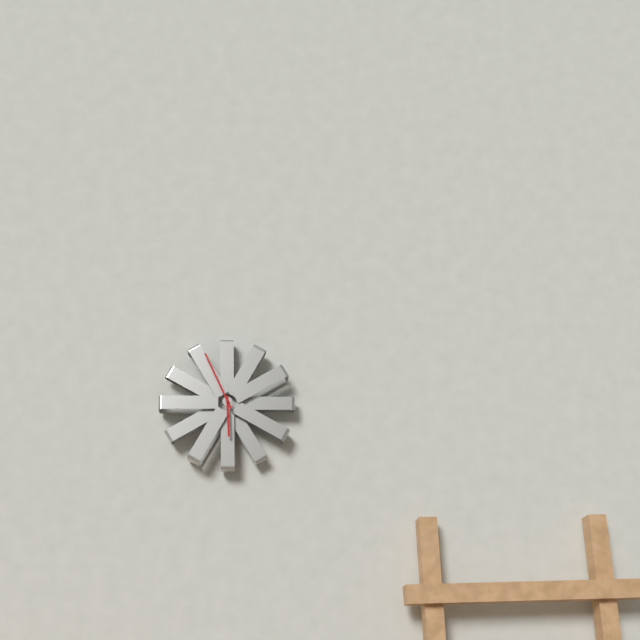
5:56
